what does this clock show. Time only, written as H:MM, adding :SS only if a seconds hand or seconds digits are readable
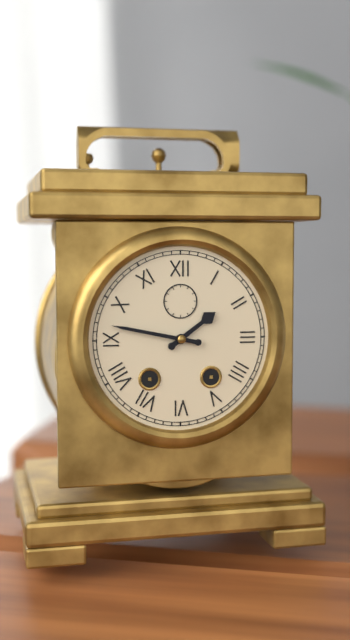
1:47
